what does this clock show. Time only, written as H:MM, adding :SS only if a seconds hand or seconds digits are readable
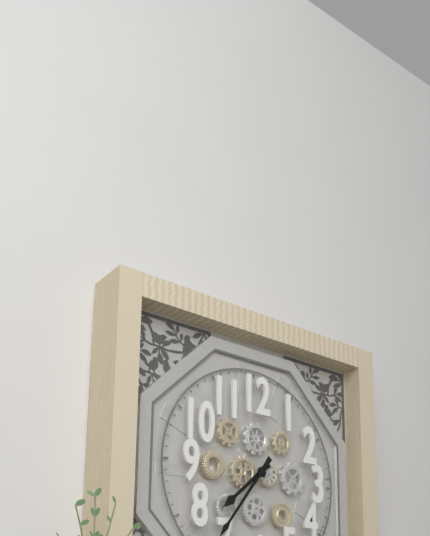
7:36
